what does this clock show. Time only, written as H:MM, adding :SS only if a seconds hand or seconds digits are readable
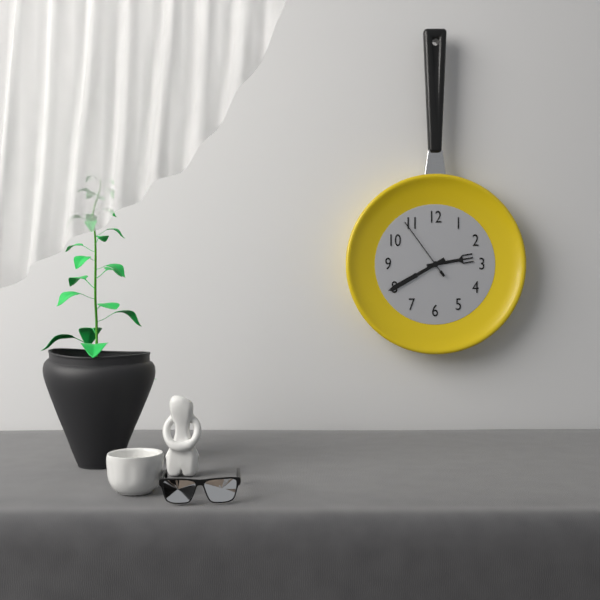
2:40:54
